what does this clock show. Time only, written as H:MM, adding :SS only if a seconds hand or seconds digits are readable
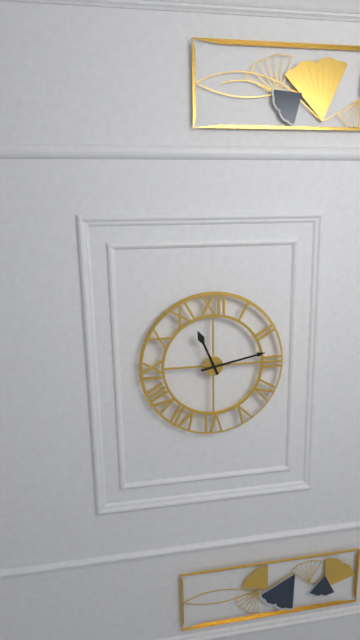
11:13
